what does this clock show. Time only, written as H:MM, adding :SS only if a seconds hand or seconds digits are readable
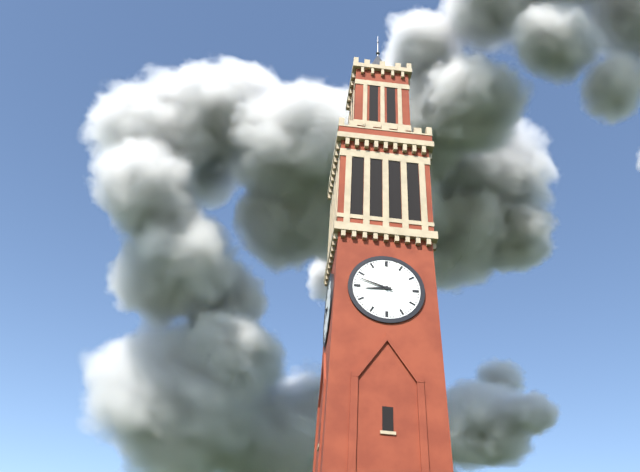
8:48
